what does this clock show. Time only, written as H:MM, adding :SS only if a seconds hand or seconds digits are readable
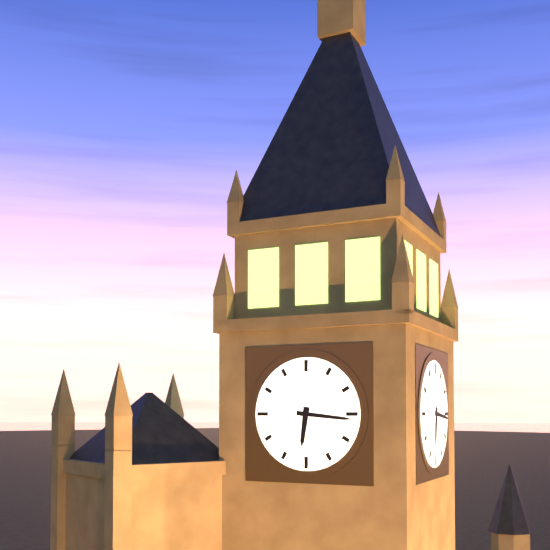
6:16
